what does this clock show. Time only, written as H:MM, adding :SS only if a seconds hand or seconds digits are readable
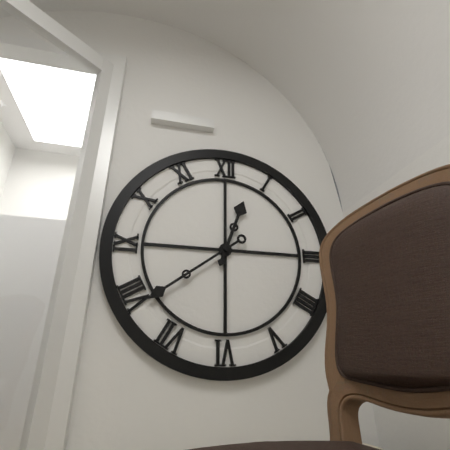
12:39
